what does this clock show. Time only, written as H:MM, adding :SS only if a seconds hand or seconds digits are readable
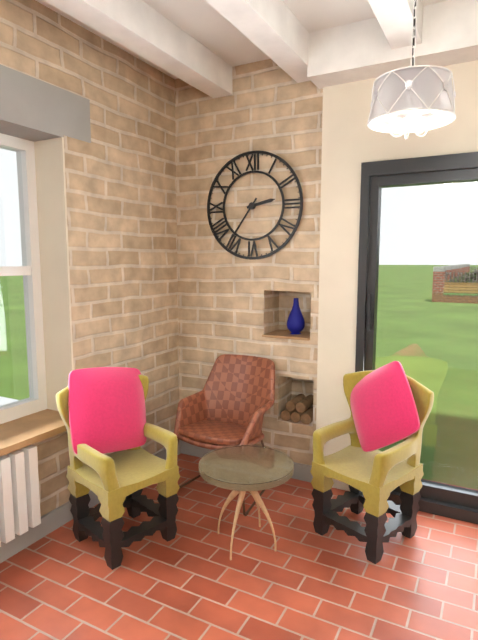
2:36
